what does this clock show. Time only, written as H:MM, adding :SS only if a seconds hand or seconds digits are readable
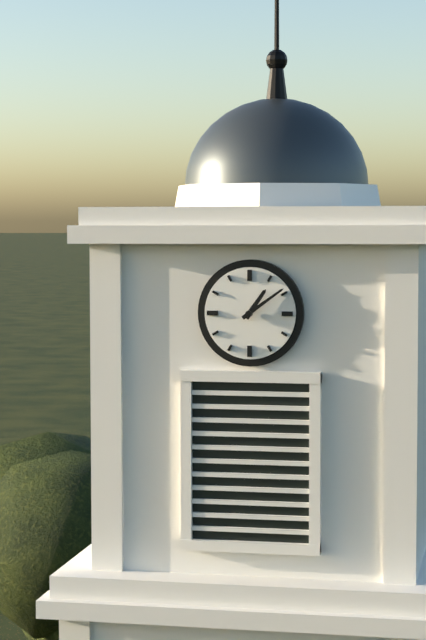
1:09
